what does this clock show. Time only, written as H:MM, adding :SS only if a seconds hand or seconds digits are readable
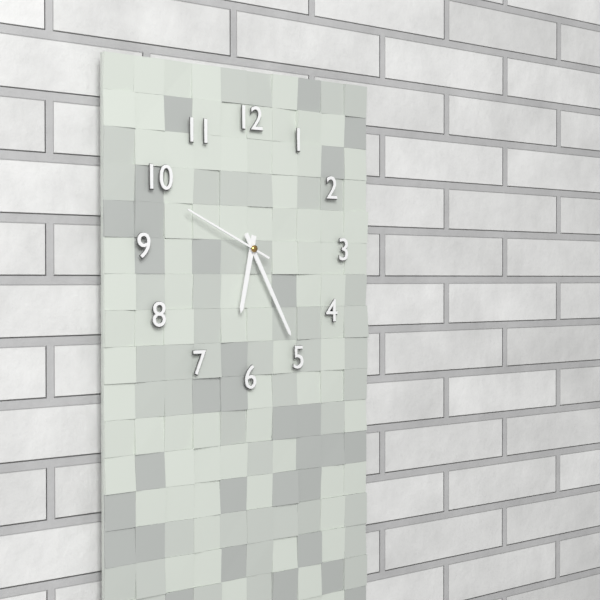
6:25:49
